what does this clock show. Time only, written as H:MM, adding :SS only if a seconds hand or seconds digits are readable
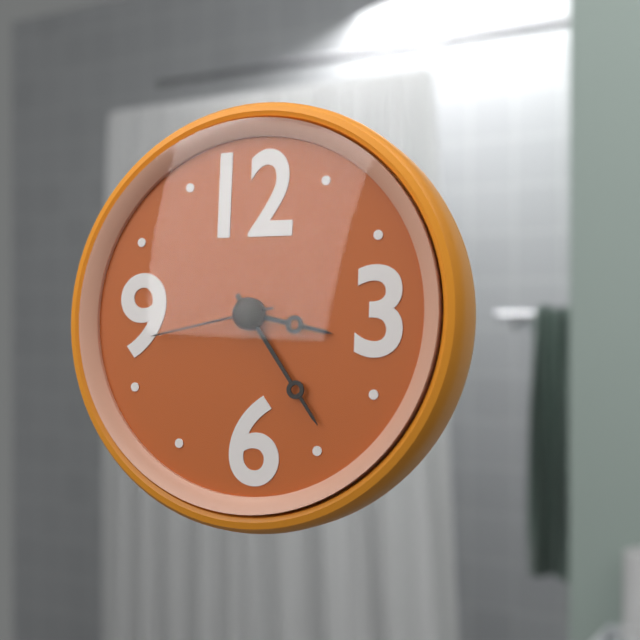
3:24:43
